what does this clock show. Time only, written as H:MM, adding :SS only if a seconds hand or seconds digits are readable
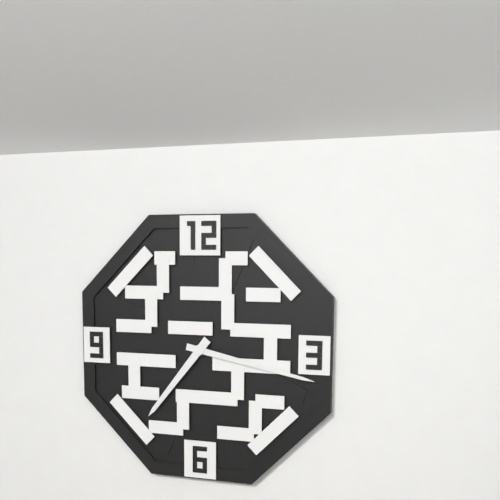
7:17
